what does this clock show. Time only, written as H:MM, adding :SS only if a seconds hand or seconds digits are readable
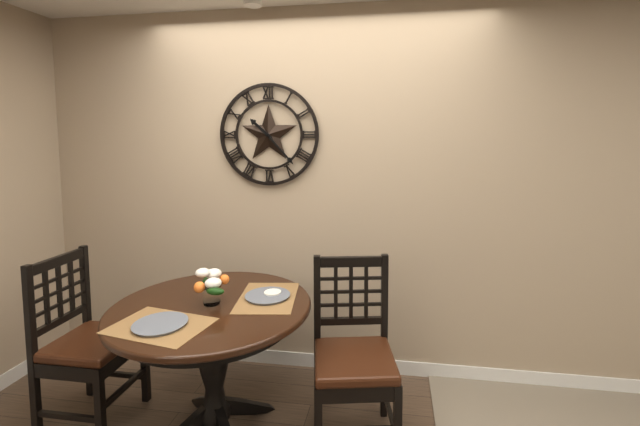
10:23
